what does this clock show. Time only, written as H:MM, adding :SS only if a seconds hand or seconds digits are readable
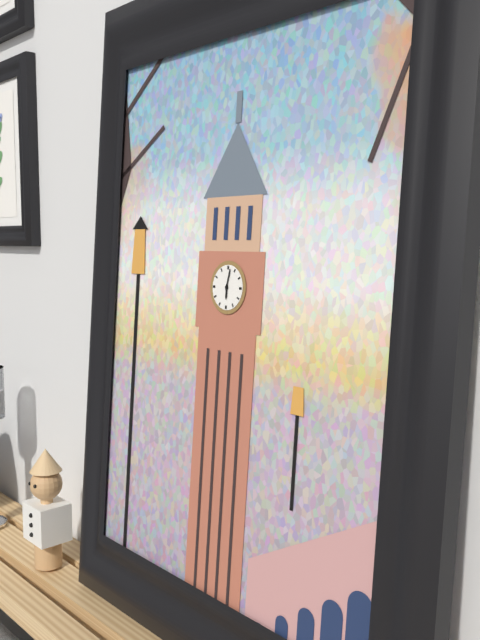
6:02
